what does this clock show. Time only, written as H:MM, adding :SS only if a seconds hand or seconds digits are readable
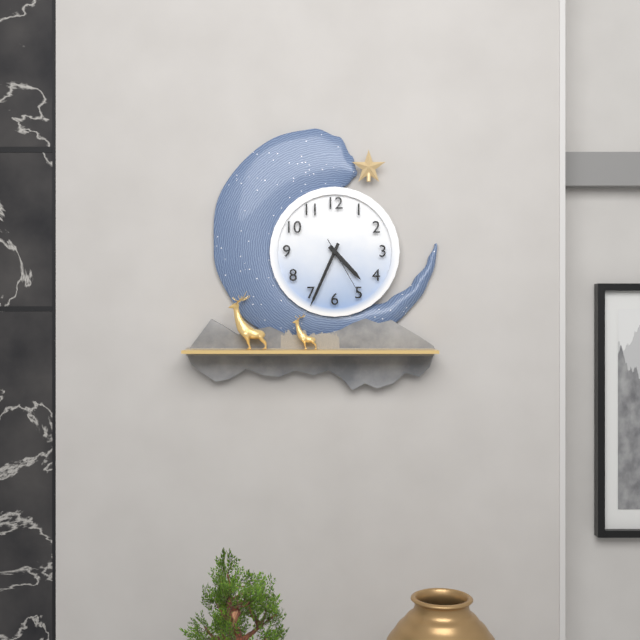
4:34:25
